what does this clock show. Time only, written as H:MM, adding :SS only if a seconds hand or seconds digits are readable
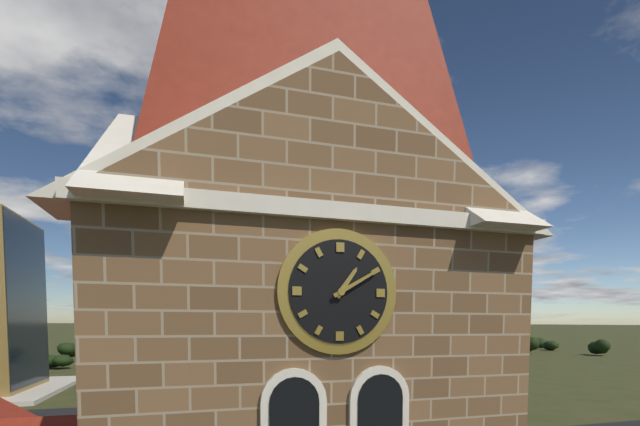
1:10
